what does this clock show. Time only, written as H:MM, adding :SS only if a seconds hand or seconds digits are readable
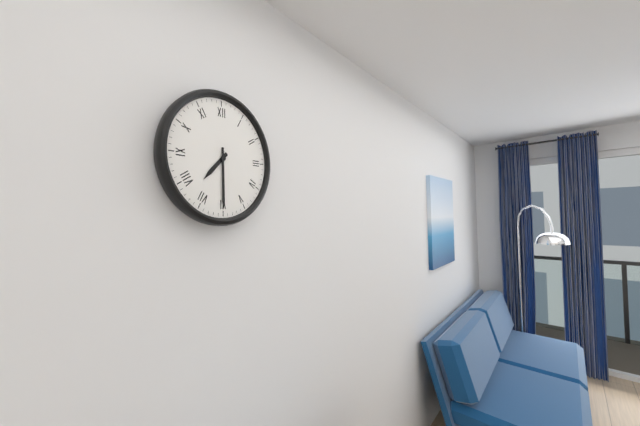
7:30
